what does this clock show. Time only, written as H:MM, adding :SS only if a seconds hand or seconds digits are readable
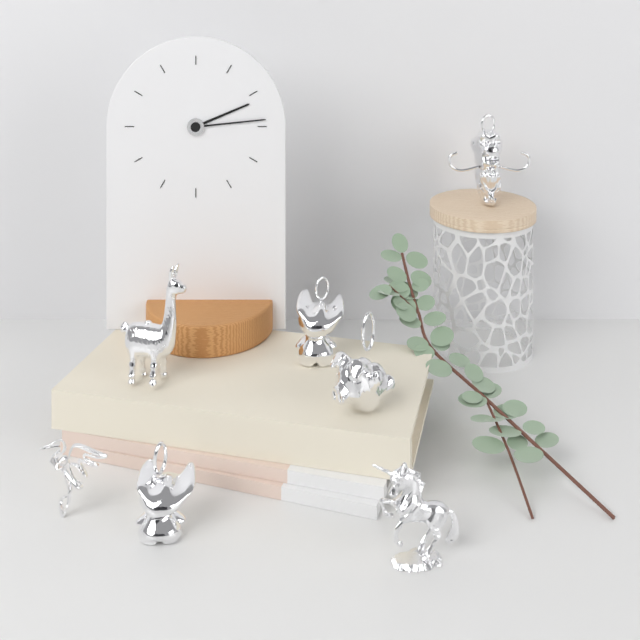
2:14
